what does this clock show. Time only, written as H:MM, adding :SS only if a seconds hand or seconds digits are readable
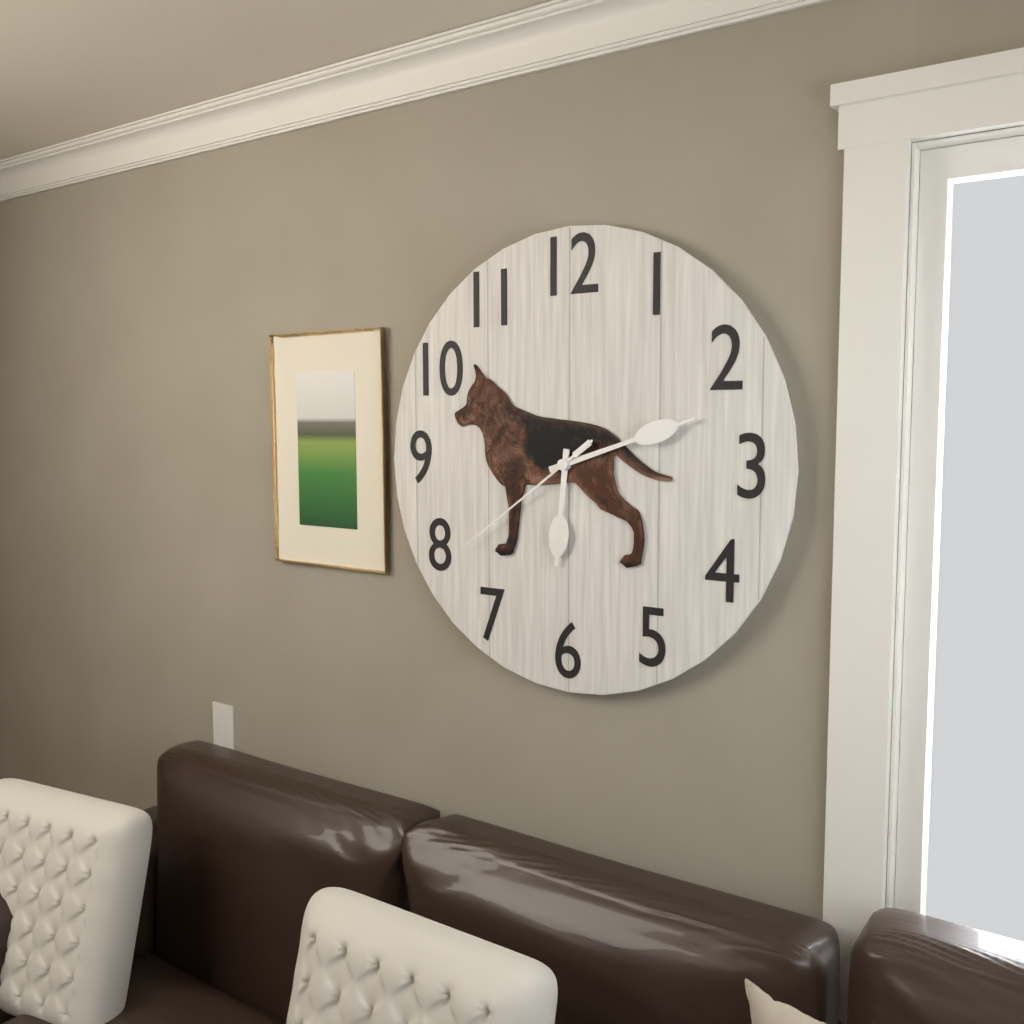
6:12:39
